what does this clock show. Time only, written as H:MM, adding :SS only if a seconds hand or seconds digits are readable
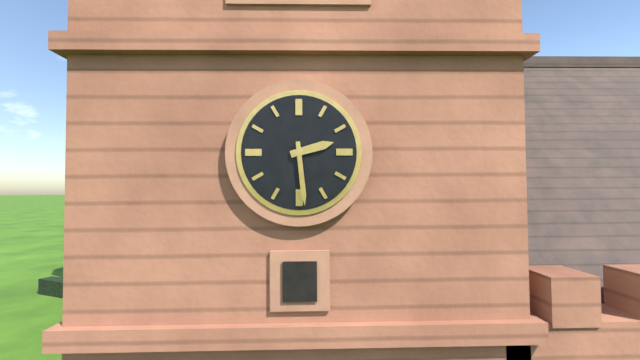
2:29
